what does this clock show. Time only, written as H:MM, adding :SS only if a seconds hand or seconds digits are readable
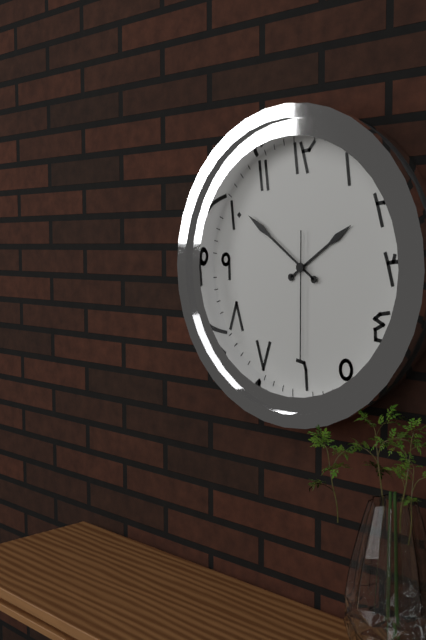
1:51:30
